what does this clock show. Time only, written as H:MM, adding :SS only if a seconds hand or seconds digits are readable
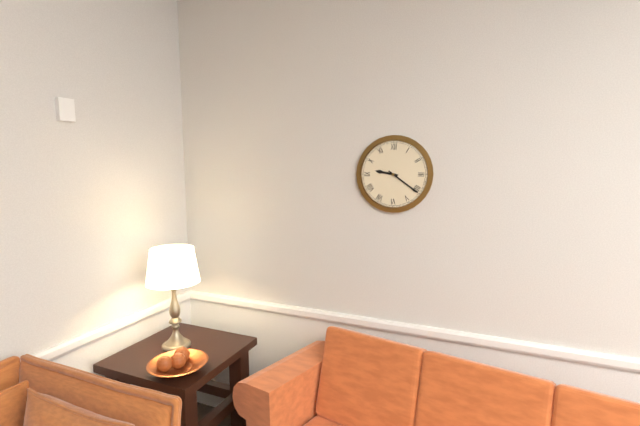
9:21
